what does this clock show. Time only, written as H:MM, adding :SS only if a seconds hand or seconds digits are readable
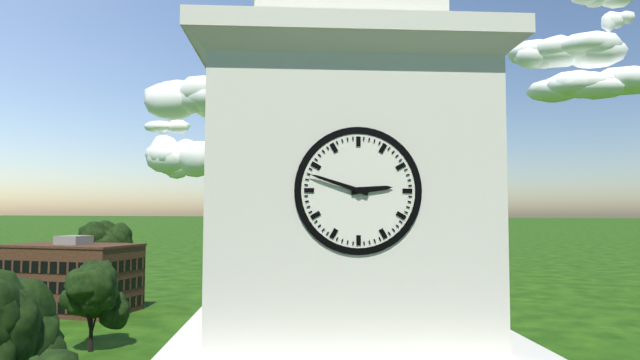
2:48
